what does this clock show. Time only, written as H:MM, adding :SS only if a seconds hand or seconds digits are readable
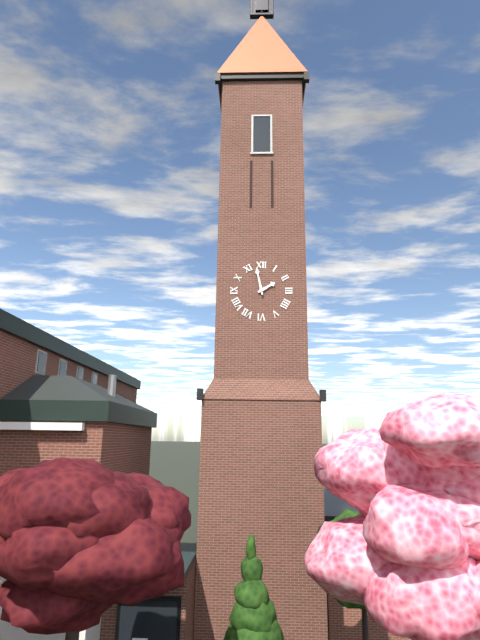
1:58
